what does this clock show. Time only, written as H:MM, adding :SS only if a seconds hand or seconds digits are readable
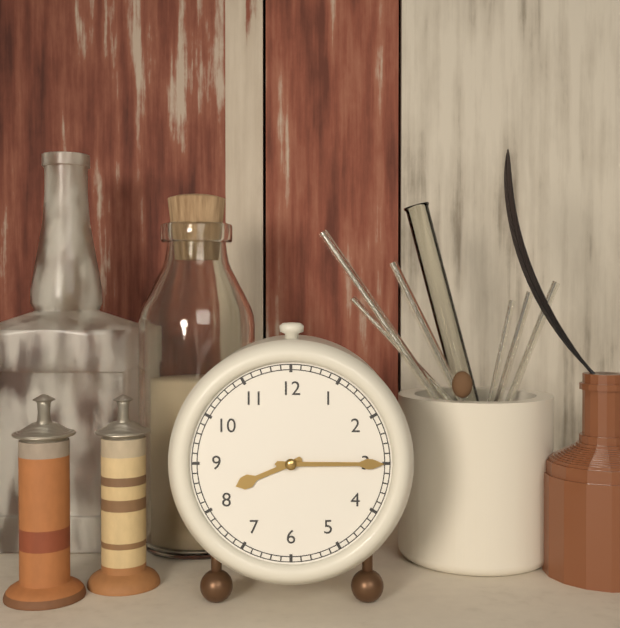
8:15
